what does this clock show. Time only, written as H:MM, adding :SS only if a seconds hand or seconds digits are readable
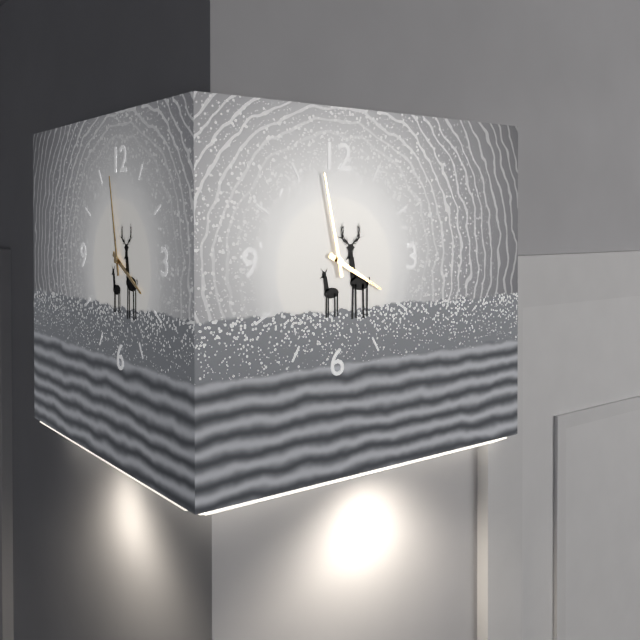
3:58
